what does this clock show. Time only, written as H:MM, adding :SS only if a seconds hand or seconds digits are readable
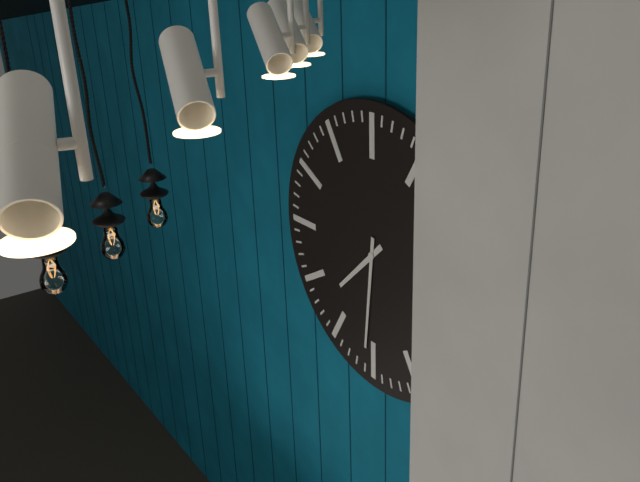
7:31
